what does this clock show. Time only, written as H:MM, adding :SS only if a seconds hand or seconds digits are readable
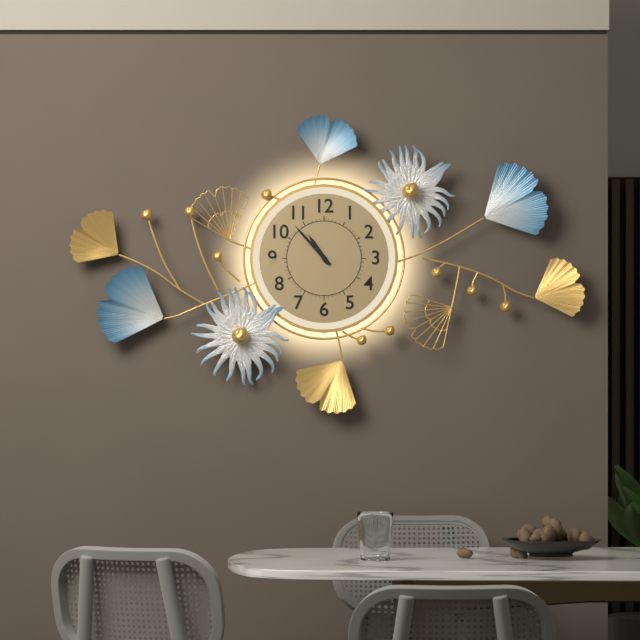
10:53
